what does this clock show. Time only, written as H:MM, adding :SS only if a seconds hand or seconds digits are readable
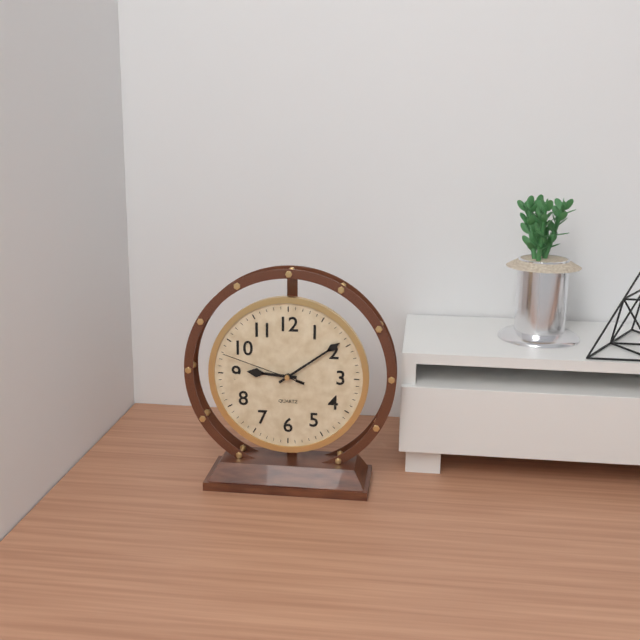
9:09:48
